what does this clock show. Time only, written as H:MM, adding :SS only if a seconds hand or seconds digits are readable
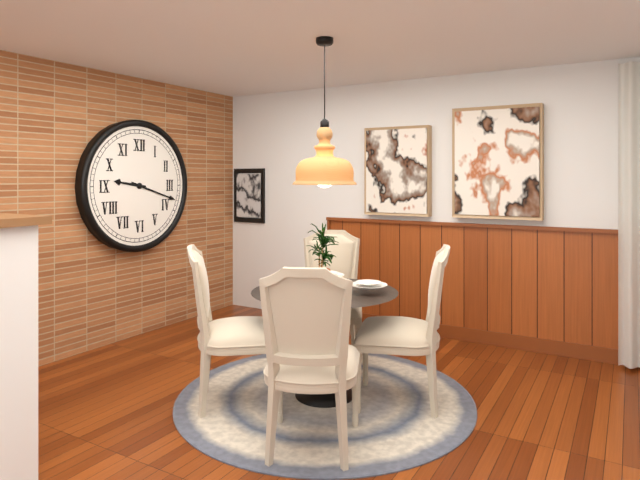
9:18
